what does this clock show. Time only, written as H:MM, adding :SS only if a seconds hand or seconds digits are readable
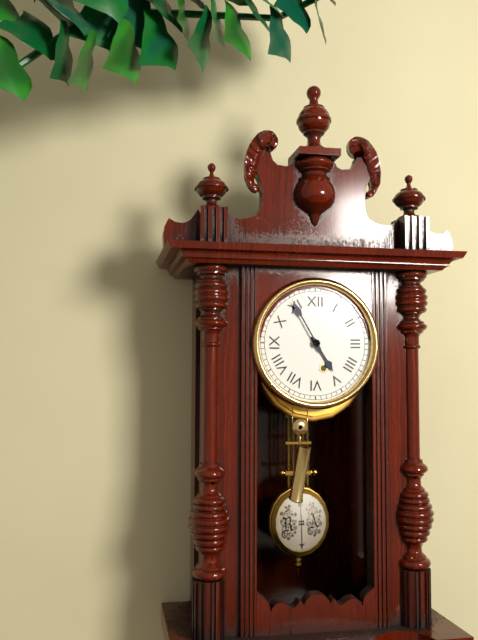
4:55
